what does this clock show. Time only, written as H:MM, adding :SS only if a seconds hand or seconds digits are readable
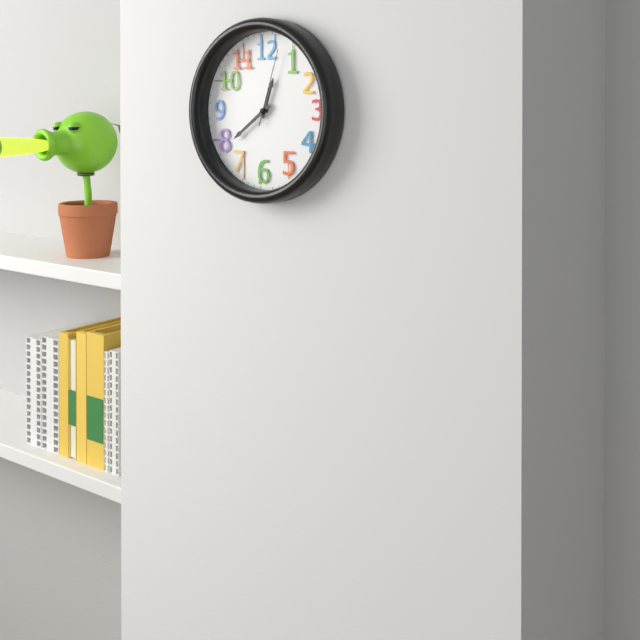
12:39:03
